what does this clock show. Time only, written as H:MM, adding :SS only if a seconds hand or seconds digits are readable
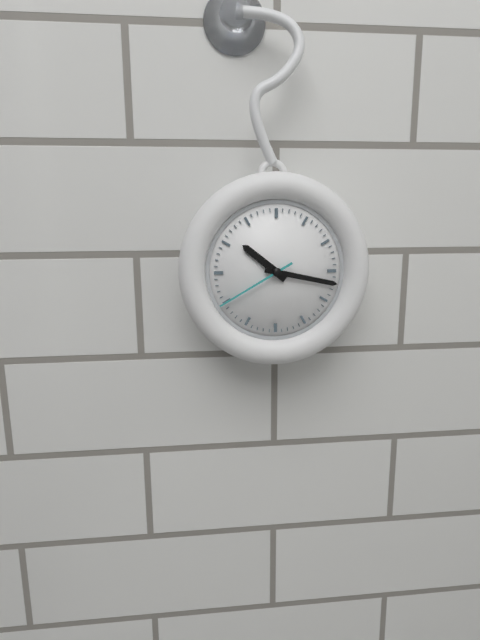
10:17:40
